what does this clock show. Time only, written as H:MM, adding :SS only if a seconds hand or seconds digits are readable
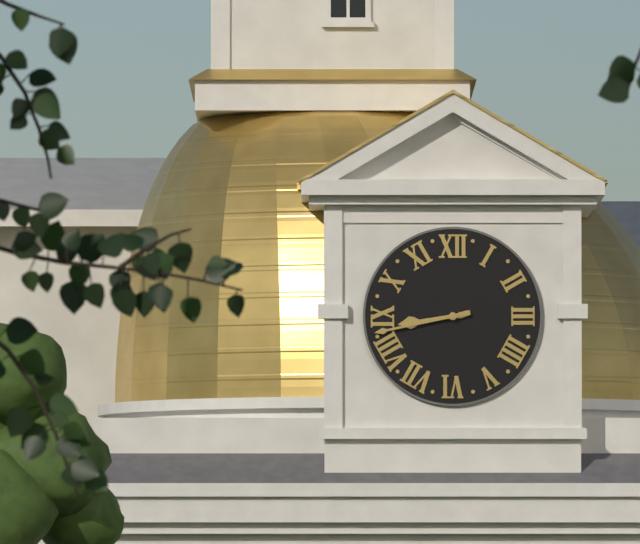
8:43
